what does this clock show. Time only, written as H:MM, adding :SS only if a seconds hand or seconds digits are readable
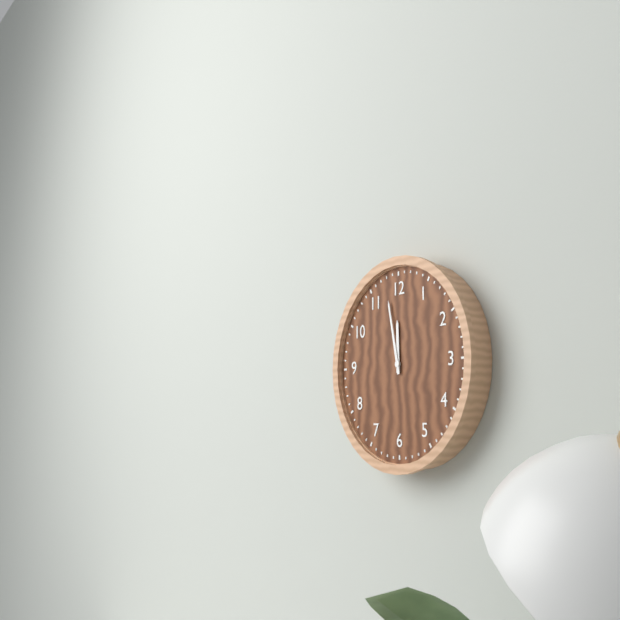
11:58
